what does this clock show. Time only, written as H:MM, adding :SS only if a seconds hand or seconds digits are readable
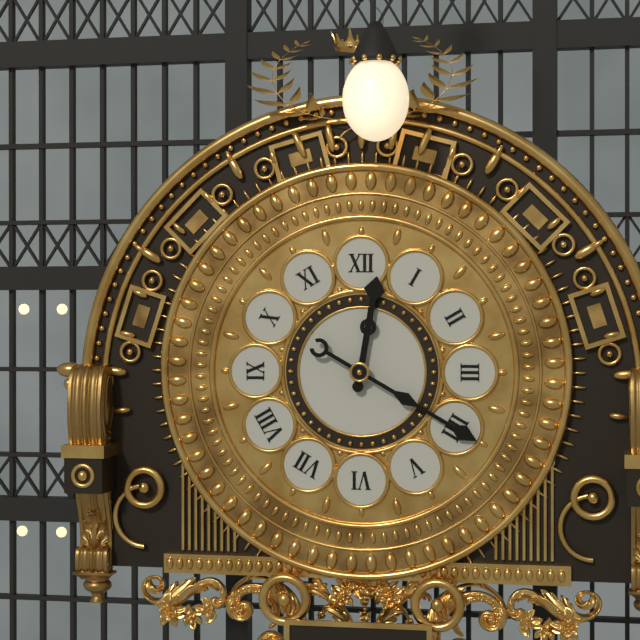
12:20
